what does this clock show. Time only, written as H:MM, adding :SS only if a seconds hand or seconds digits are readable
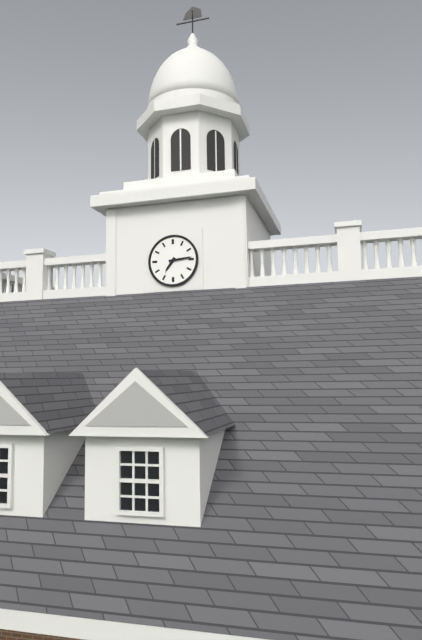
7:14
